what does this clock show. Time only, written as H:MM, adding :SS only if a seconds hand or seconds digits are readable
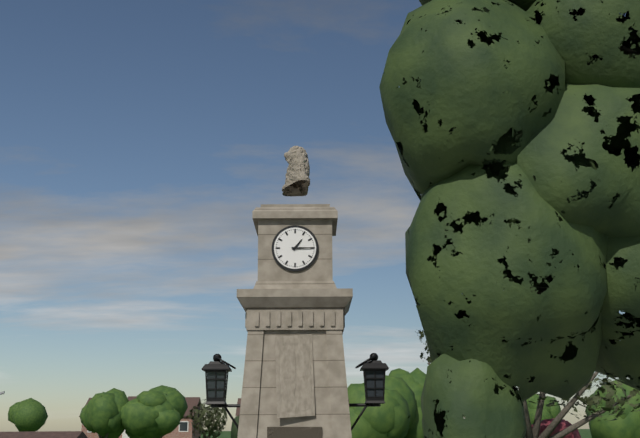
1:15
